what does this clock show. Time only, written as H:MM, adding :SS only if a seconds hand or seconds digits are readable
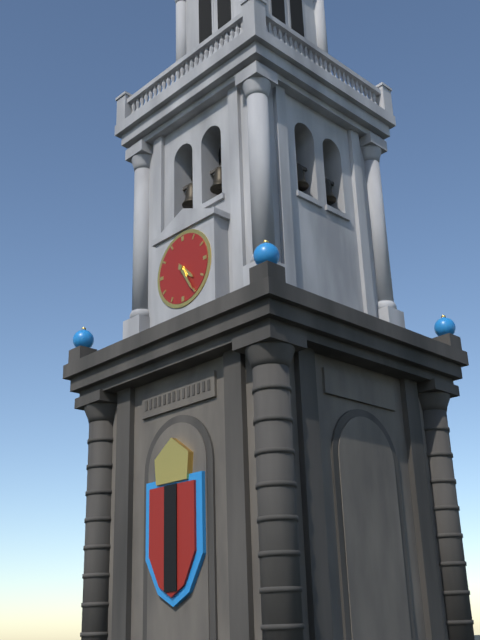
4:25
